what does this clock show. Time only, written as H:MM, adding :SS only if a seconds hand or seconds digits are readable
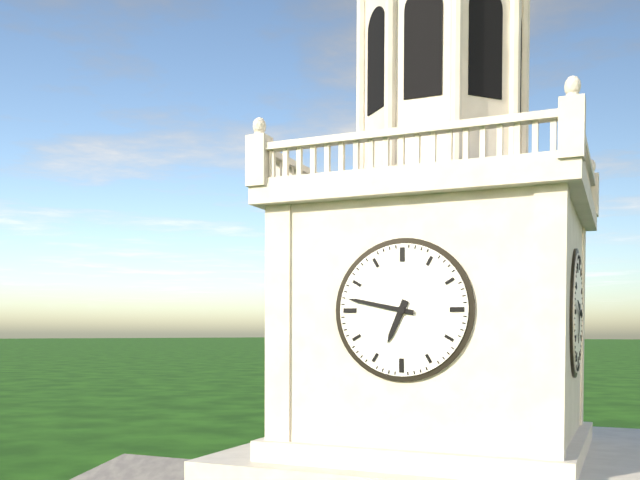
6:47
